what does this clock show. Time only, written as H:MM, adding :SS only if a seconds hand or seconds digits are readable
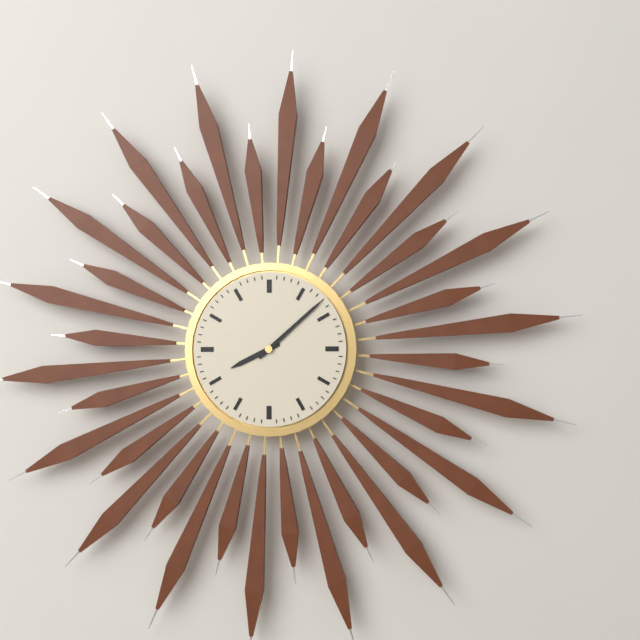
8:08
